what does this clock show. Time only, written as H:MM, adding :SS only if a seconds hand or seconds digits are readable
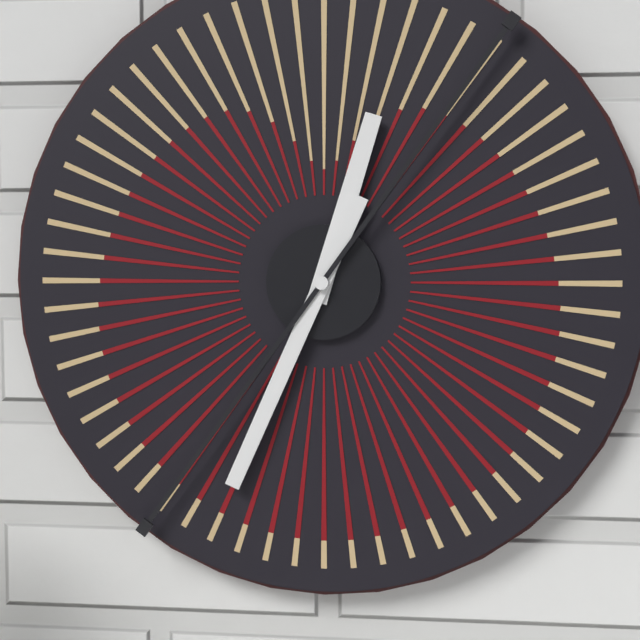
12:34
